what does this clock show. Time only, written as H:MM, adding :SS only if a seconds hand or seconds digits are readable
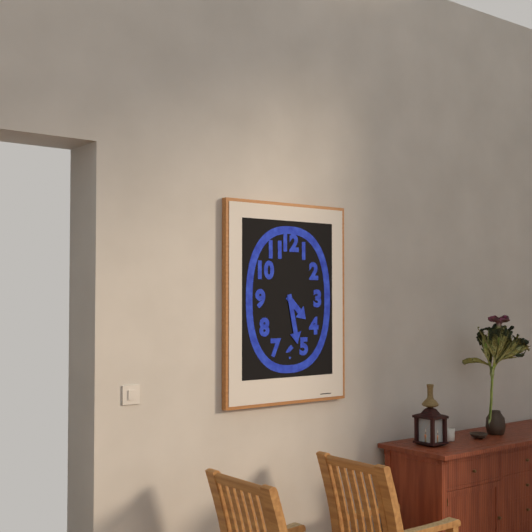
4:28
